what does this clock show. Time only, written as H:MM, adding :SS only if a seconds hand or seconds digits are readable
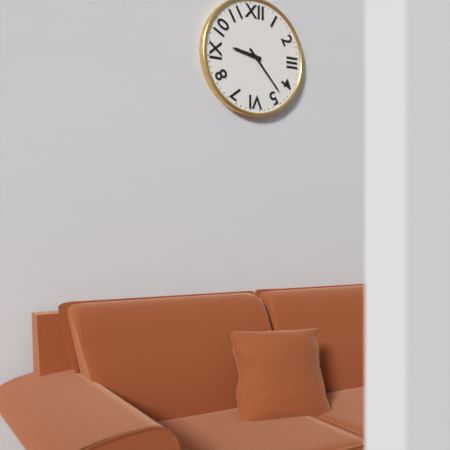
9:23
